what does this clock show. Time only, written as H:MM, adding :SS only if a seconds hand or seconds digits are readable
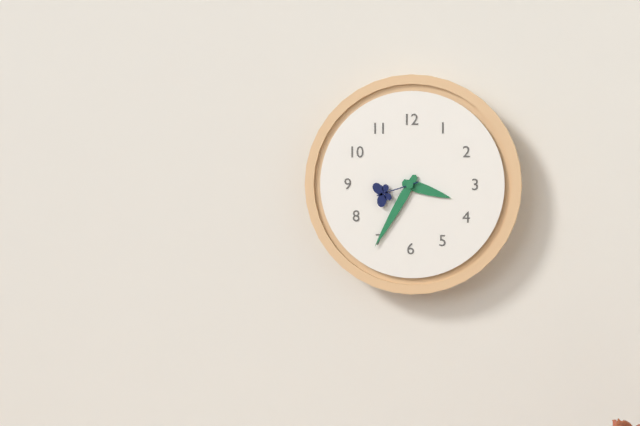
3:35
